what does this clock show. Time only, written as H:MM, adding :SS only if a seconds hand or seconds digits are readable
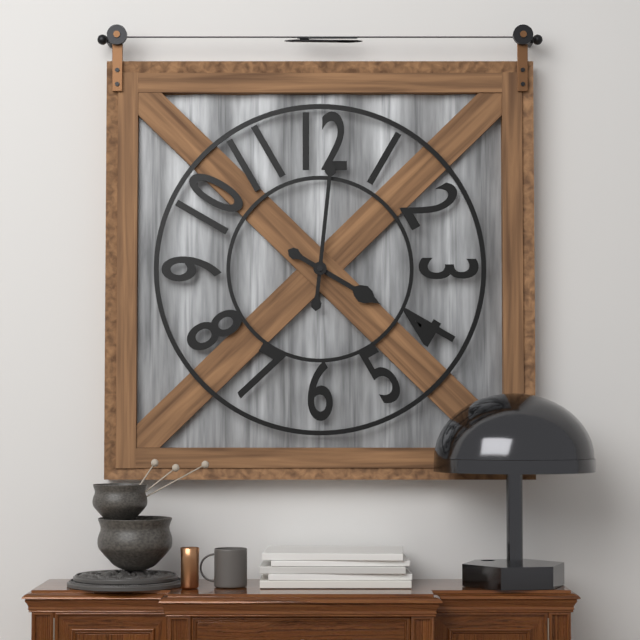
4:01
